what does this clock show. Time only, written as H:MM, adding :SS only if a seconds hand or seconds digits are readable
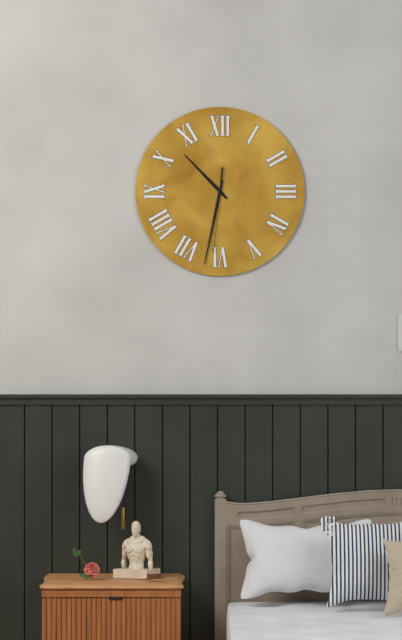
10:32:31
